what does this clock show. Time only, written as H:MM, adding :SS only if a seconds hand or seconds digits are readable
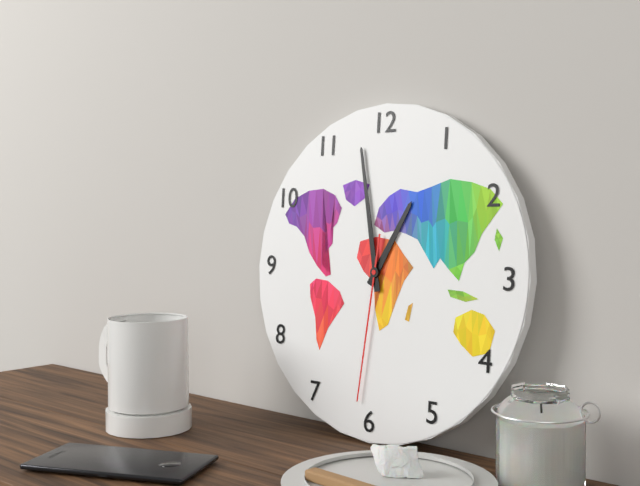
12:58:31
